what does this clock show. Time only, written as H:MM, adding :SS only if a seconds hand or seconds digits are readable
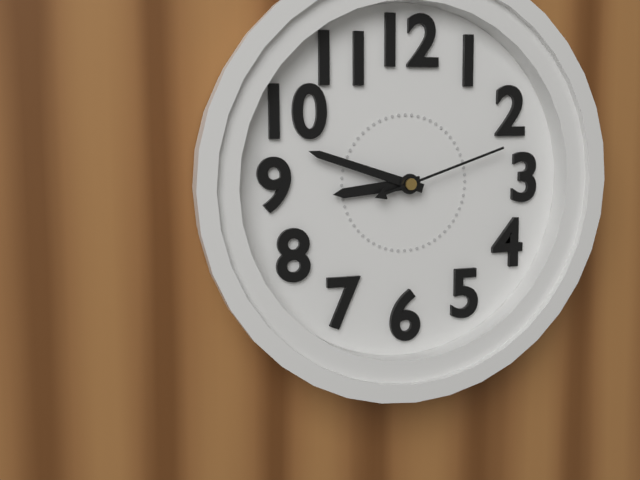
8:48:12
